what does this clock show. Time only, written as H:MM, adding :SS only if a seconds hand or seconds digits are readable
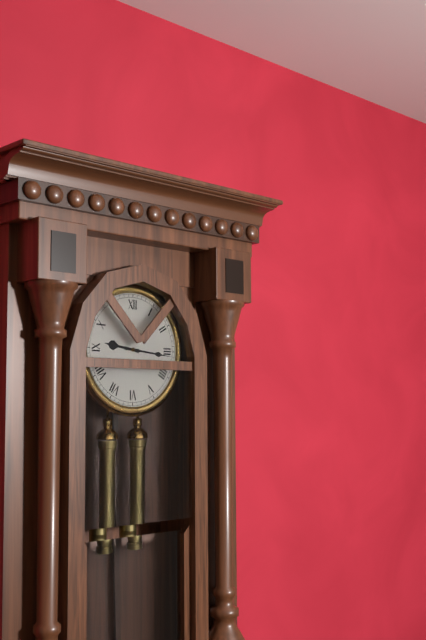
9:16
